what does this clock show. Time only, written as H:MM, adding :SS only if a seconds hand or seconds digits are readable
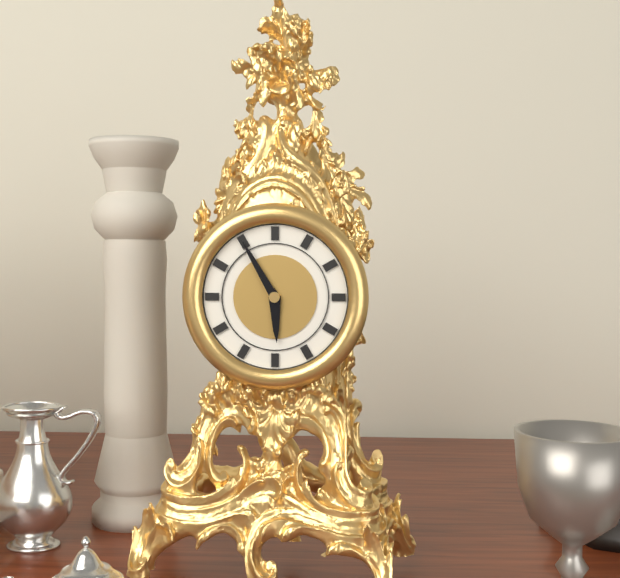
5:55
